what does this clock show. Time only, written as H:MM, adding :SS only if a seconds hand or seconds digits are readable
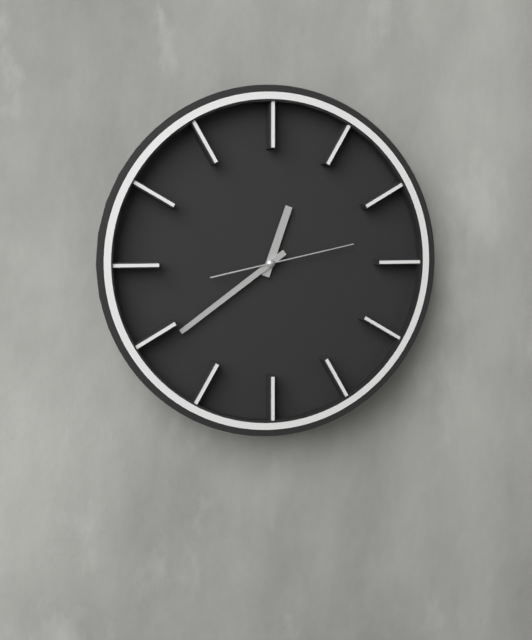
12:39:13
